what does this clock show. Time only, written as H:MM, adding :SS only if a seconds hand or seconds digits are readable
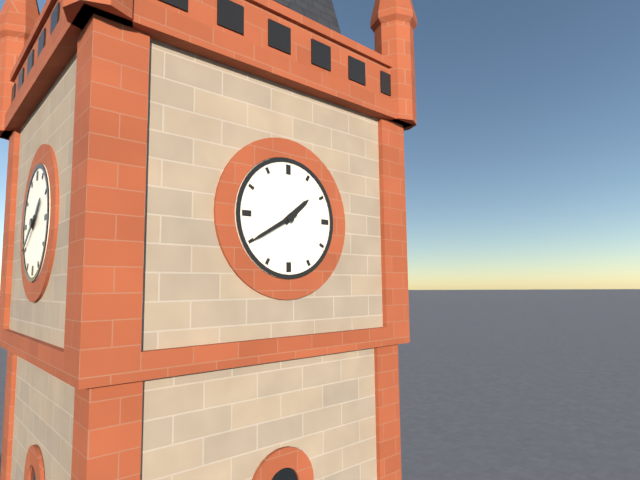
1:40
